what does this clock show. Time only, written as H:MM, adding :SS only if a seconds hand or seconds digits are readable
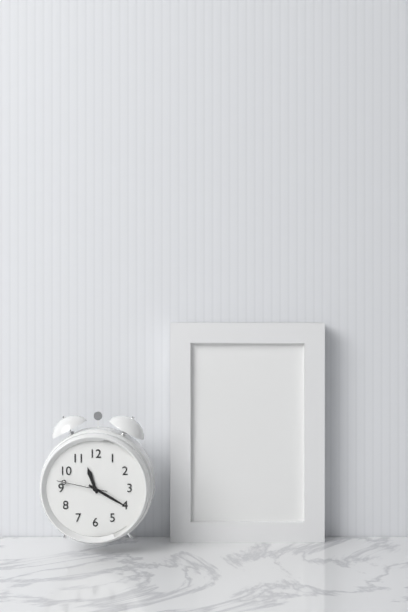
11:20
